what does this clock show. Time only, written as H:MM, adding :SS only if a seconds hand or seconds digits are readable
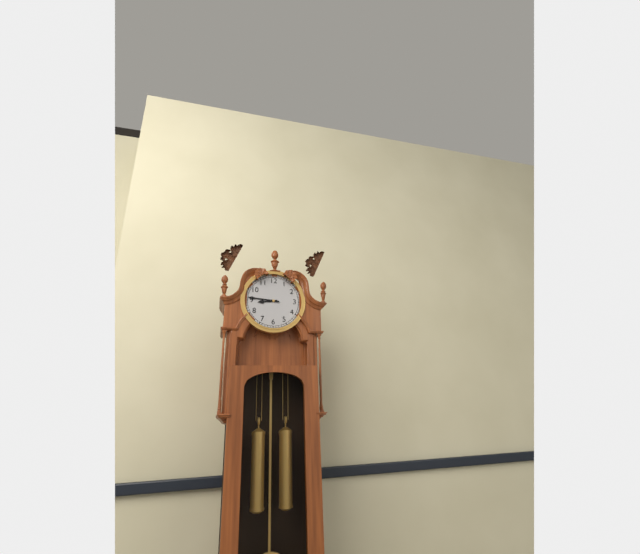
8:46
